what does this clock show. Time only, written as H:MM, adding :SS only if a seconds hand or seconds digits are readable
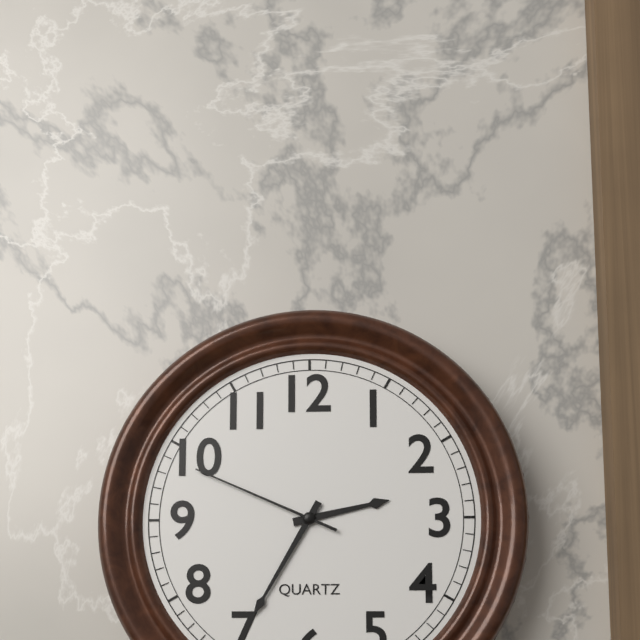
2:35:49
